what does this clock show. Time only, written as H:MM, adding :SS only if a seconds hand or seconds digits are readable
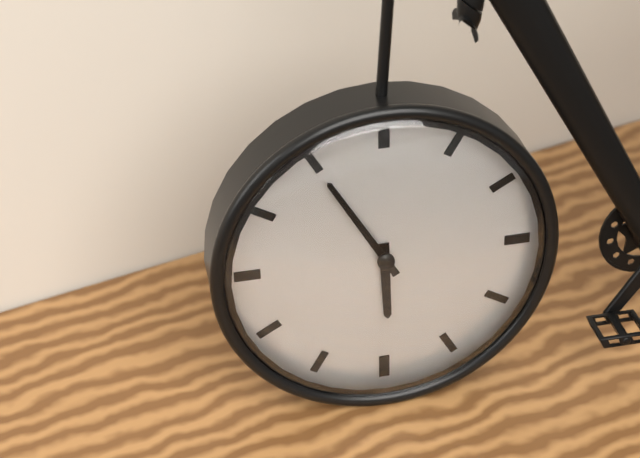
5:55
